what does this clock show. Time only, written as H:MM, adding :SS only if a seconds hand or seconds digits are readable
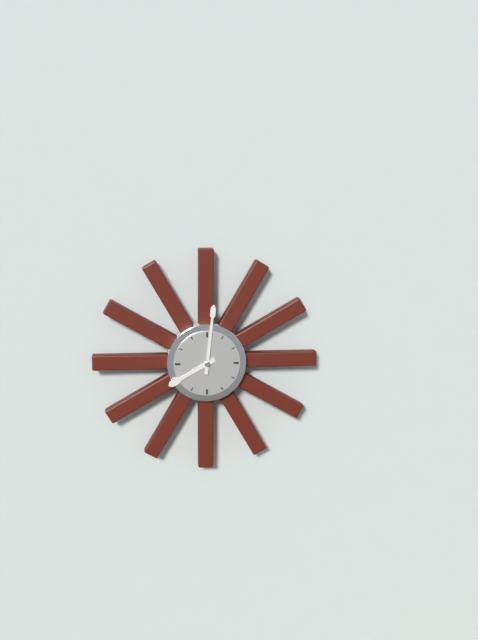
8:01
